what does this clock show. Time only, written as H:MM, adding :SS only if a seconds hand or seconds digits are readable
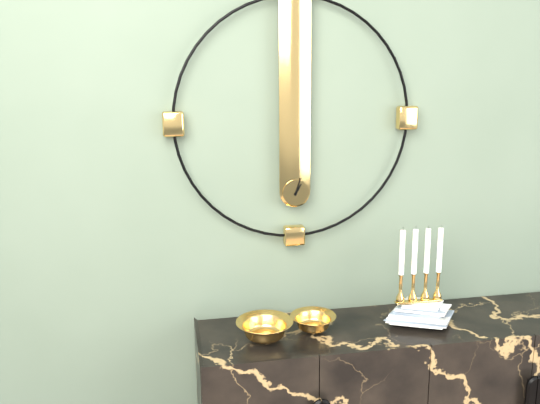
1:03
